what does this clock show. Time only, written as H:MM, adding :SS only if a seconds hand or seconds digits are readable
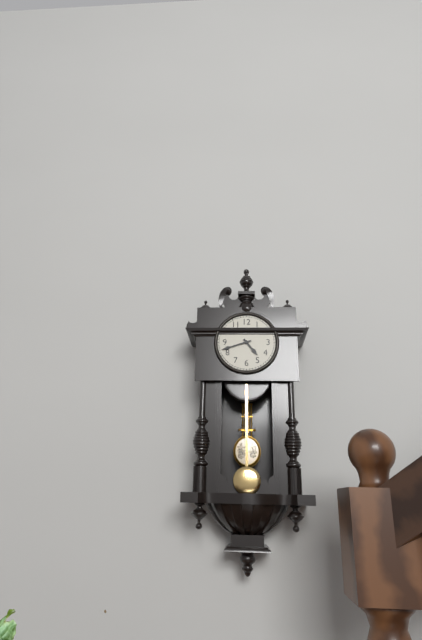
4:42
